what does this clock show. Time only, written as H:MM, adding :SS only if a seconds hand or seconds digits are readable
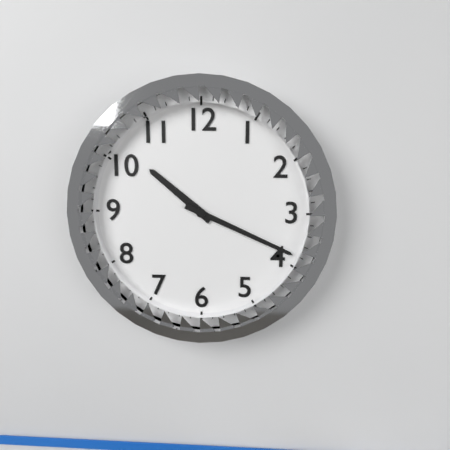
10:19
